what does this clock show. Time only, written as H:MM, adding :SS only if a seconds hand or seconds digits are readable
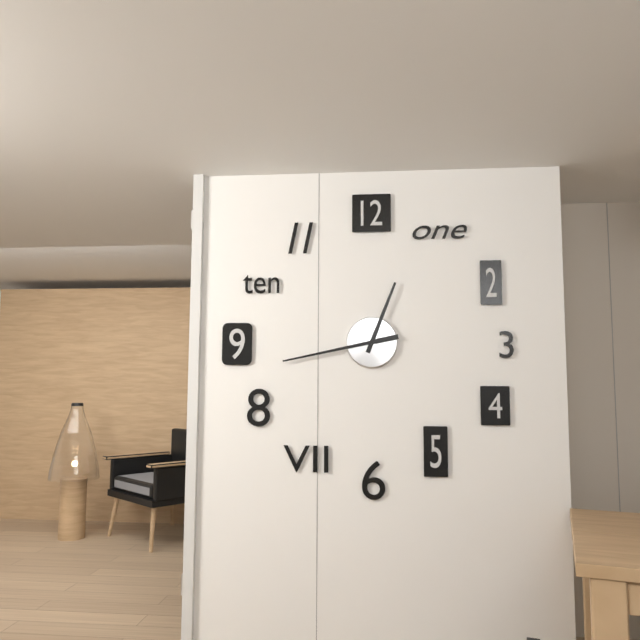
12:43
